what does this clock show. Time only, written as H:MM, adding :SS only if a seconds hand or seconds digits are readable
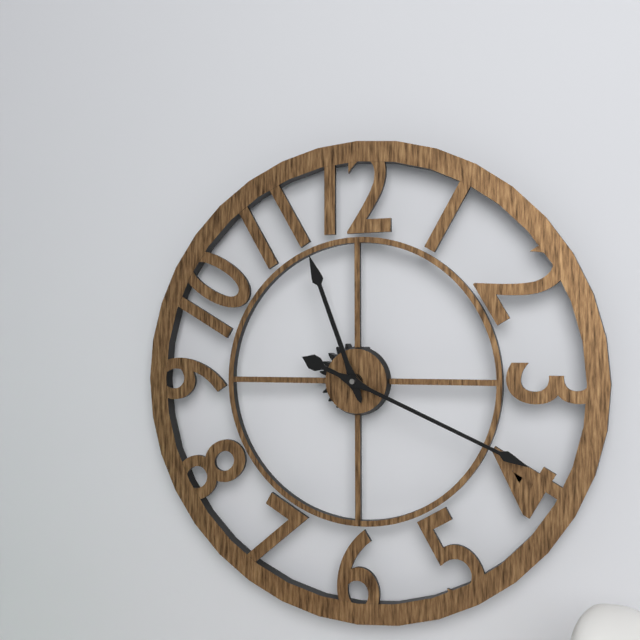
11:19
